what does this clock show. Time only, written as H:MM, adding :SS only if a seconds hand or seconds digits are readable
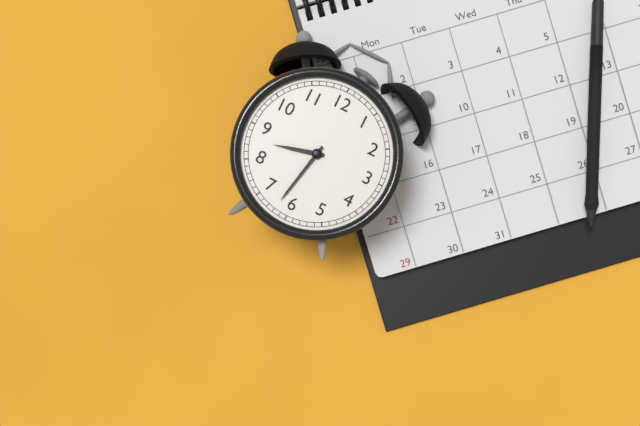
8:32
